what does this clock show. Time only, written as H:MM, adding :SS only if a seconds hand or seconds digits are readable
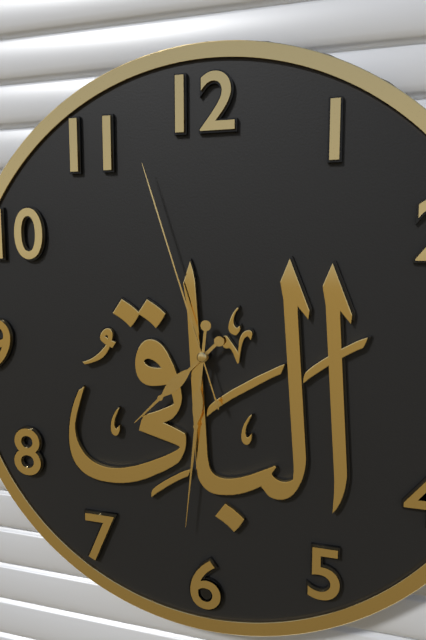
7:31:57
